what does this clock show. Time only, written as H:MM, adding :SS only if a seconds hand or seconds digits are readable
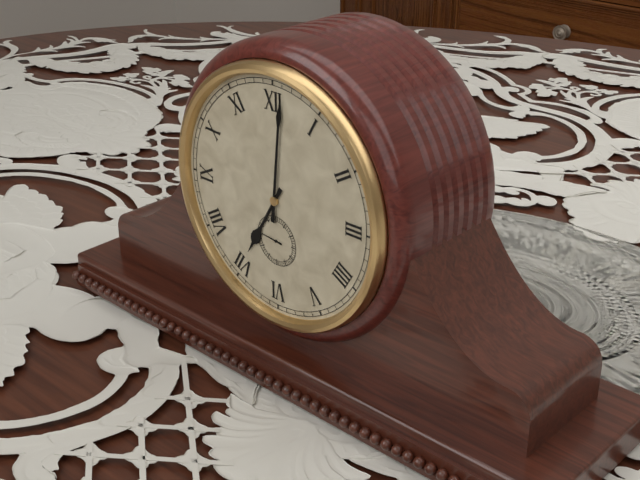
7:01:46
